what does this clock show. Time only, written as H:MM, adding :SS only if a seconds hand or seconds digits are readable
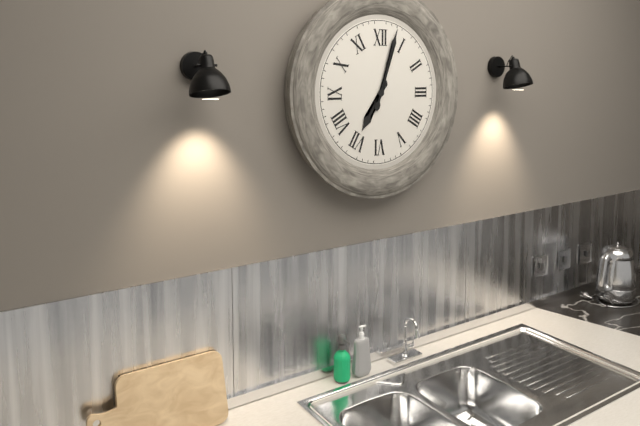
7:03
